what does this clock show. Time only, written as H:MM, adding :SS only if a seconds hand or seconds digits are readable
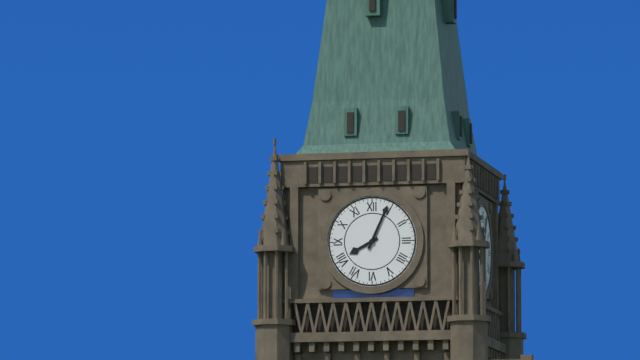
8:04
